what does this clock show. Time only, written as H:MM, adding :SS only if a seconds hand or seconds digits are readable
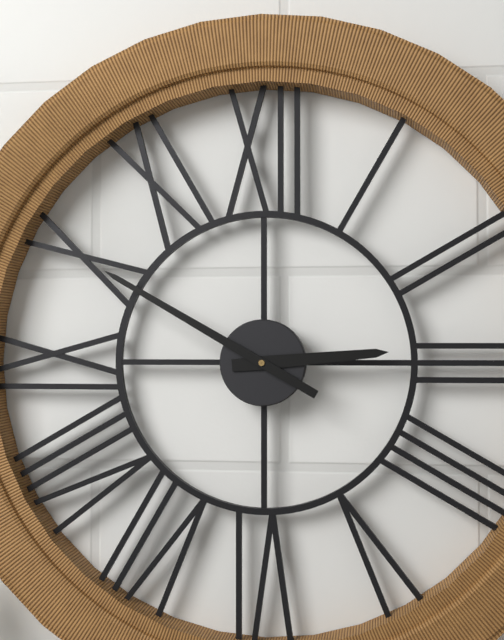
2:50
